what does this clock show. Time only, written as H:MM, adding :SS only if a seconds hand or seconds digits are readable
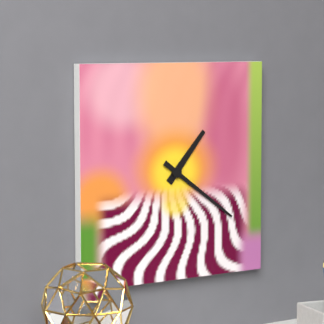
1:21
